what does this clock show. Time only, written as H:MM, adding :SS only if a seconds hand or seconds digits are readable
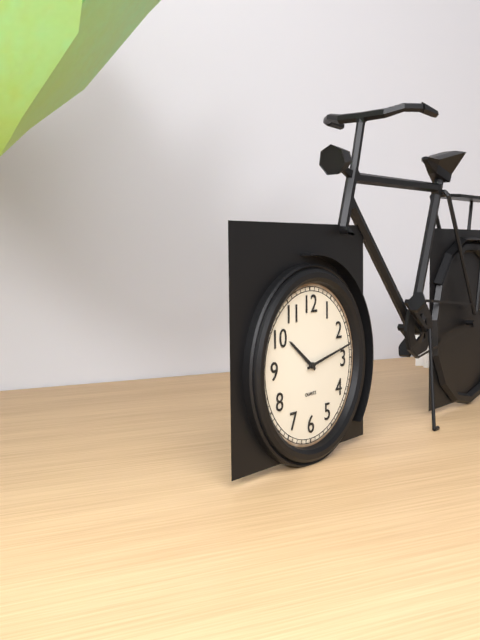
10:13
